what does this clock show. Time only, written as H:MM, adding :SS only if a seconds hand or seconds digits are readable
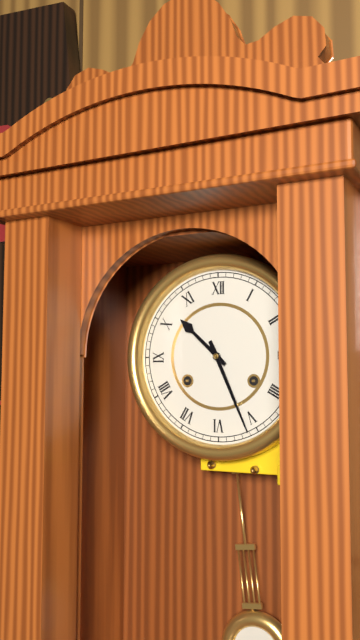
10:26
